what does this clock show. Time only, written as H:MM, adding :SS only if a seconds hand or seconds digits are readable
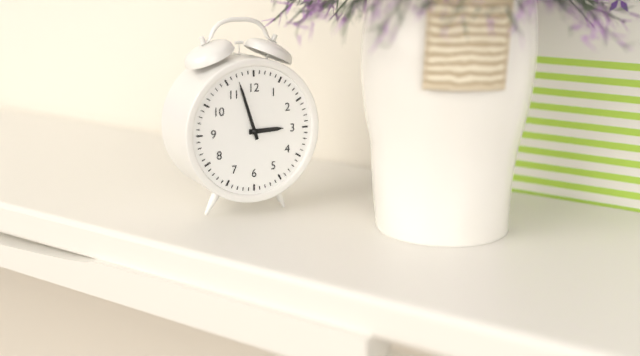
2:57
